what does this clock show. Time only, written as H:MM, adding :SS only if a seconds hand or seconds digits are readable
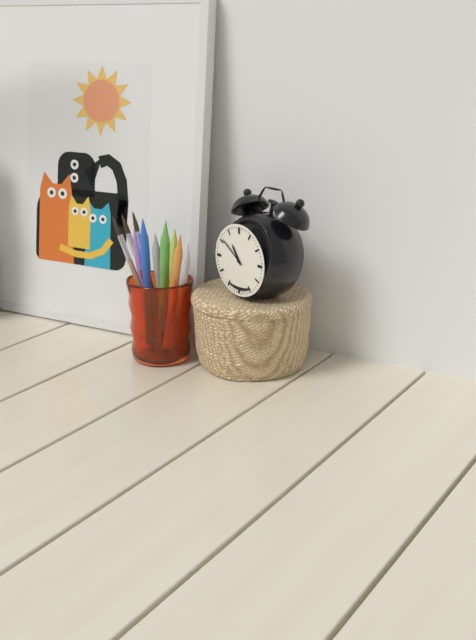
10:51
